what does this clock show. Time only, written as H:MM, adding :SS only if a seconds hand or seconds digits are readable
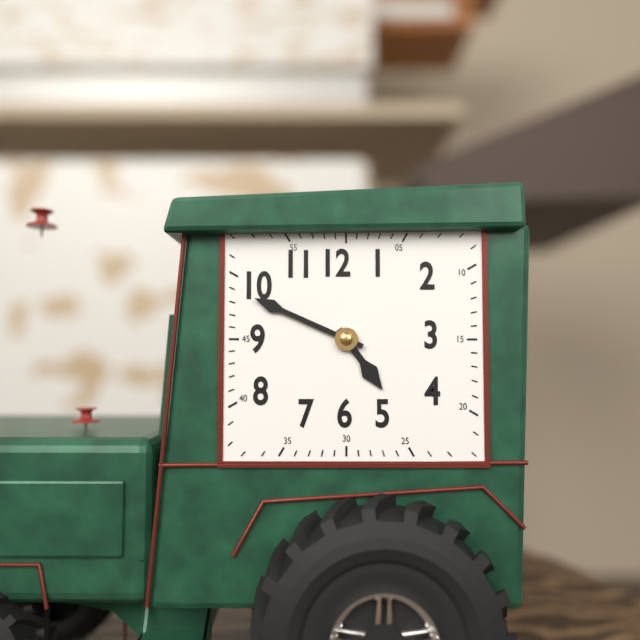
4:49
